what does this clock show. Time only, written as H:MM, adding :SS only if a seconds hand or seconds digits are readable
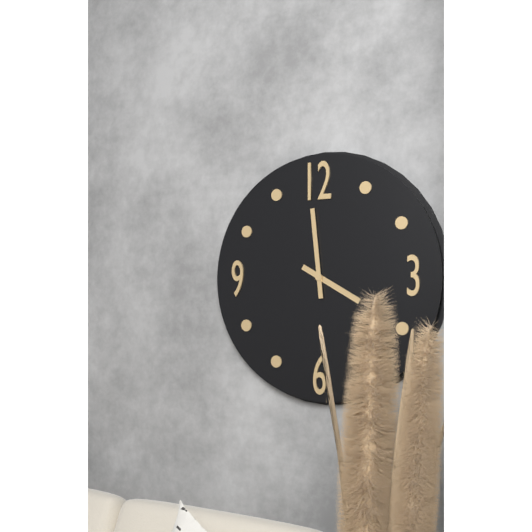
3:59
